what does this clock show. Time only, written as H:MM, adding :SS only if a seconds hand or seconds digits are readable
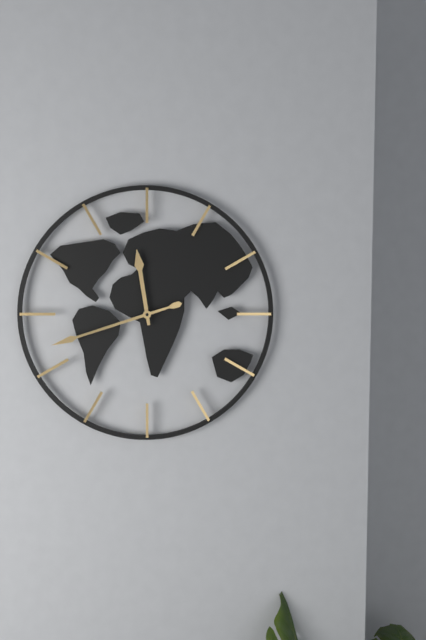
11:42
